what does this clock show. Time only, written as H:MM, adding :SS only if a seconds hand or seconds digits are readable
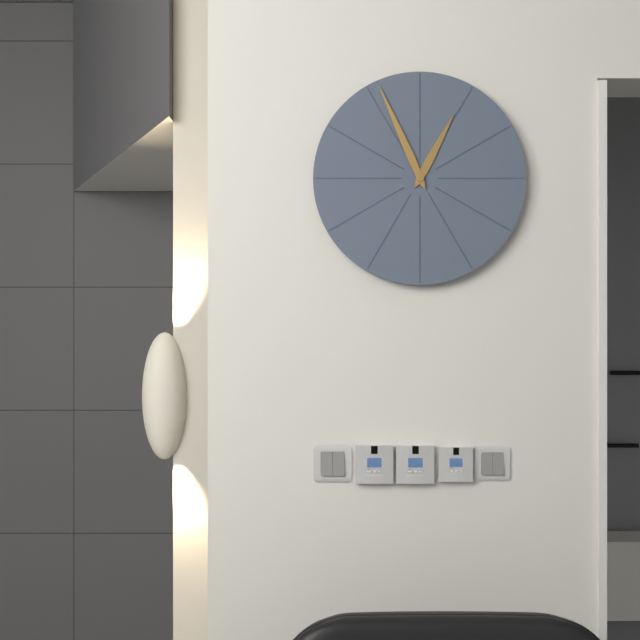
12:56
